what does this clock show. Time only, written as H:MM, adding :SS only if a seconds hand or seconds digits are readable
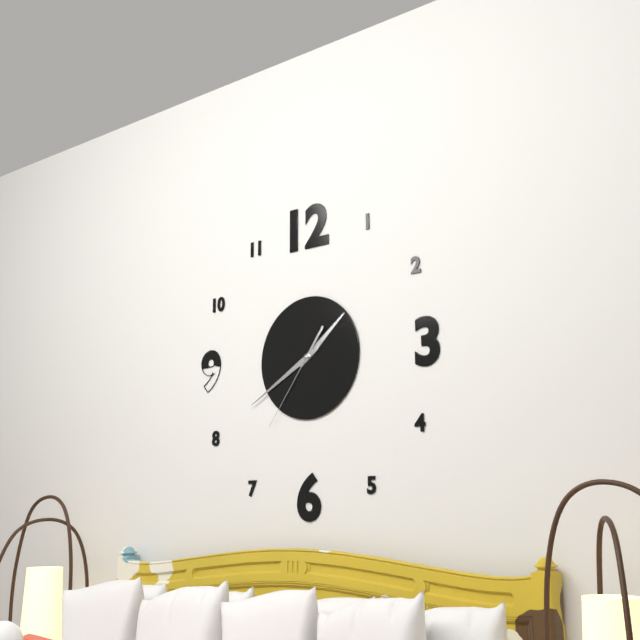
1:40:36
